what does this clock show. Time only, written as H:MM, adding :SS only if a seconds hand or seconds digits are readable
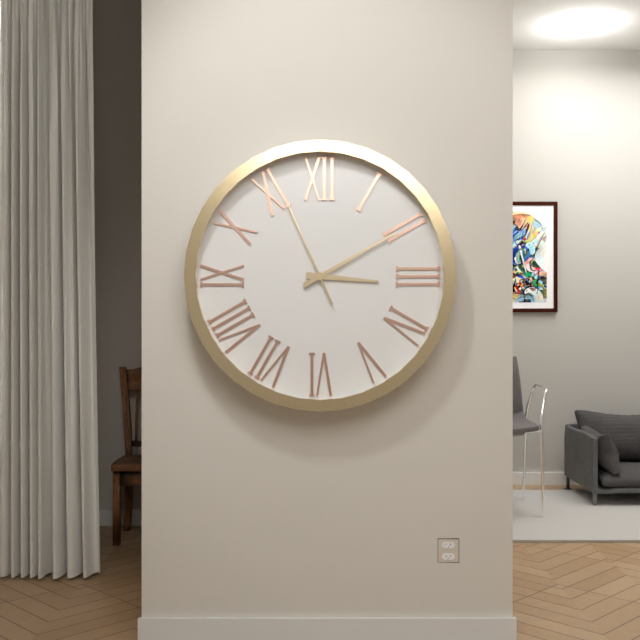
3:10:56
